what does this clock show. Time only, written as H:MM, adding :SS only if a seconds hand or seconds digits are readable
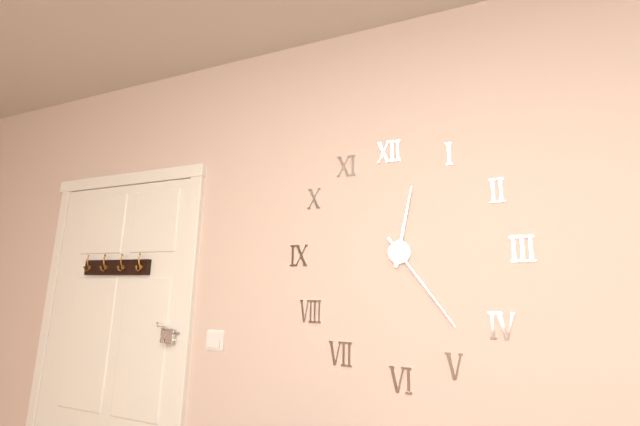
12:24
